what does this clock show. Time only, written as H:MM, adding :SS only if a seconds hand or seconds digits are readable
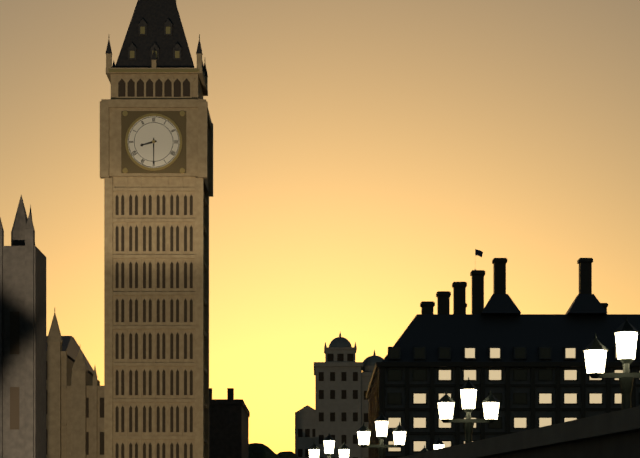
8:30
